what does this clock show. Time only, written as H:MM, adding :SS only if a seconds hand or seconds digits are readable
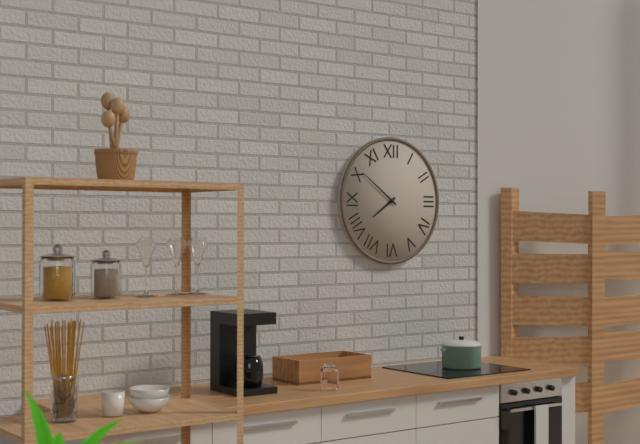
7:51
